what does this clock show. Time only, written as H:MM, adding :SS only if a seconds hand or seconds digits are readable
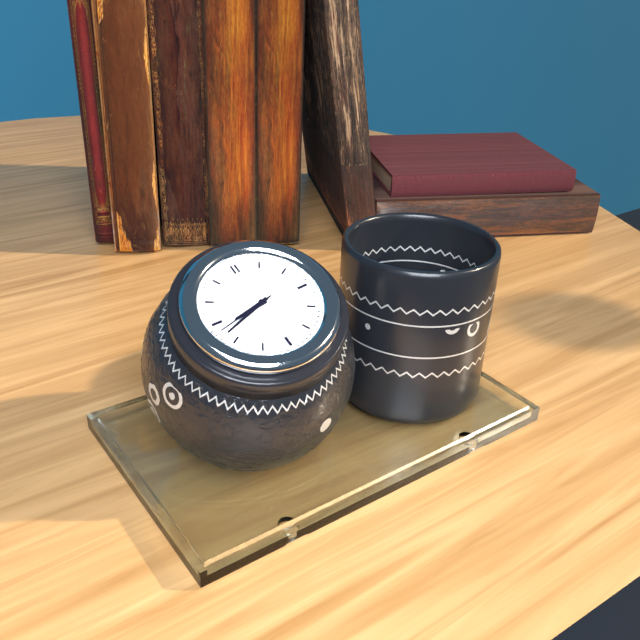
8:42:43
